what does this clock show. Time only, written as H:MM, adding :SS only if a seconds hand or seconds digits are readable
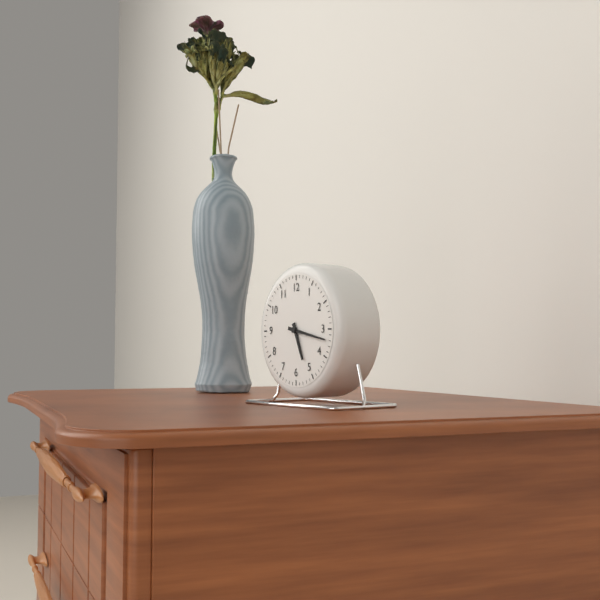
5:17
